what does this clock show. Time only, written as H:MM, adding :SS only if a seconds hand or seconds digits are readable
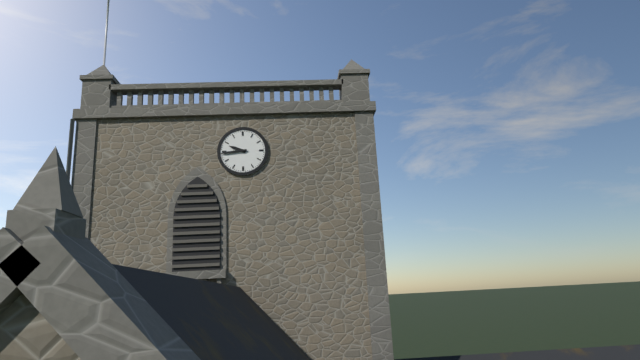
9:44
